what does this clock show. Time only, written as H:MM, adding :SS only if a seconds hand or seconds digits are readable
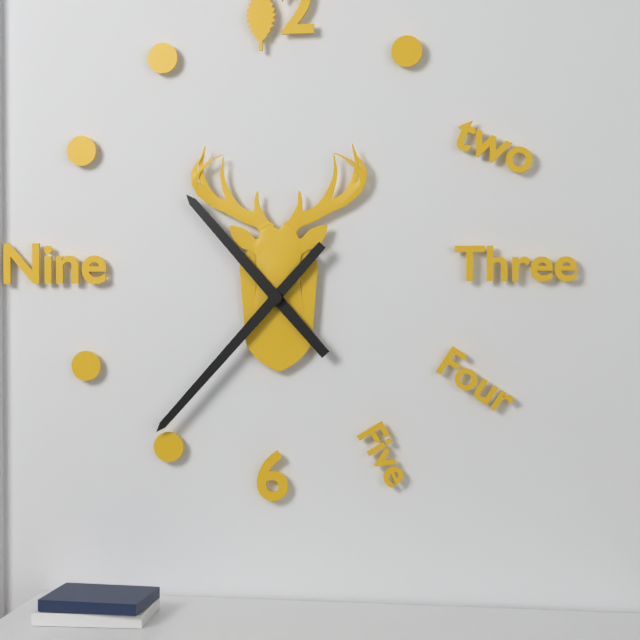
10:37
